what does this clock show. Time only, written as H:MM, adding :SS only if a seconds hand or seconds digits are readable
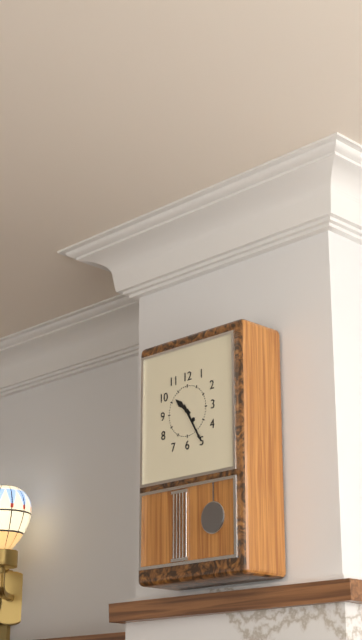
10:25
